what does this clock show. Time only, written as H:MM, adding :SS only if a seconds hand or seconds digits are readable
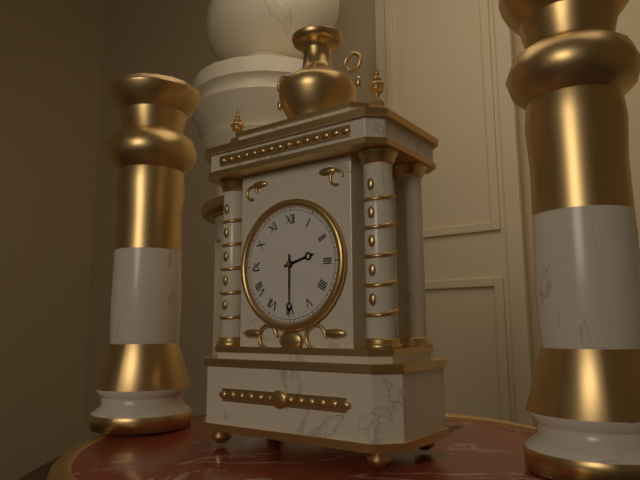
2:30
